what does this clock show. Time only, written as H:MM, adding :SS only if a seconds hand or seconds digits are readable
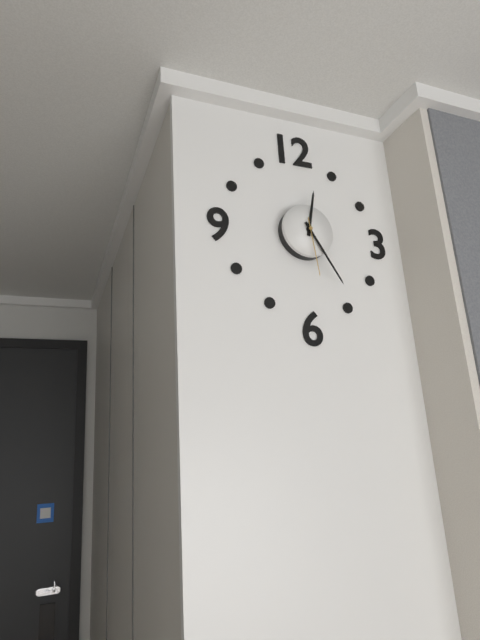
12:25:29
